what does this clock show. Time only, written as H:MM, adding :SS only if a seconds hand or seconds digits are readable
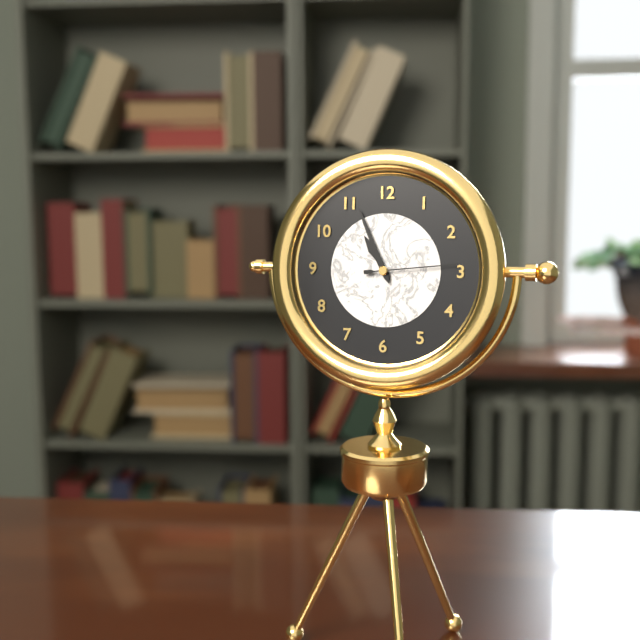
10:56:14
